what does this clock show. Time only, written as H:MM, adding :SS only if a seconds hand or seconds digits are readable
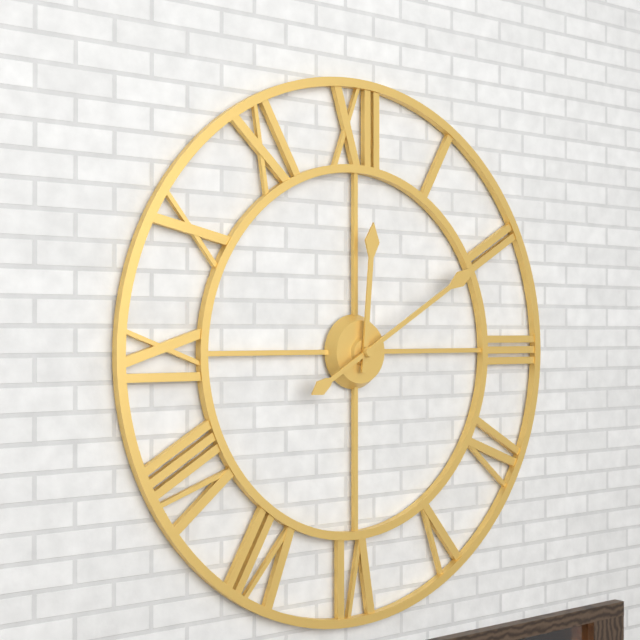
12:10
